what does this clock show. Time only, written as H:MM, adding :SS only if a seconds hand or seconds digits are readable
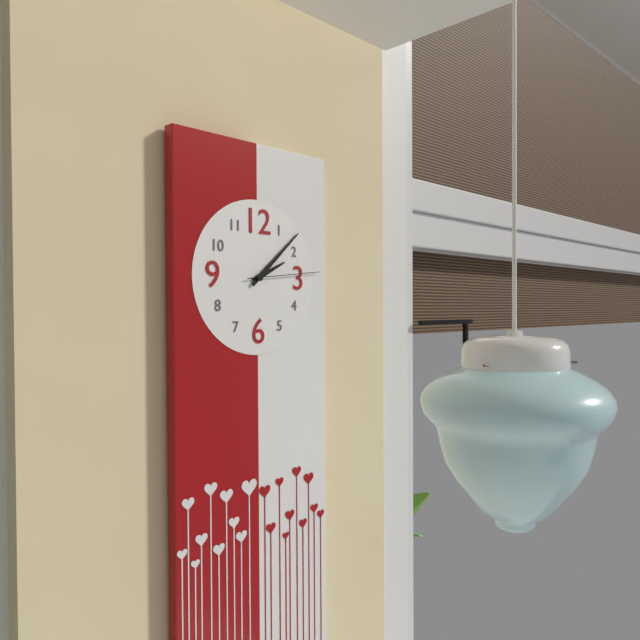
2:08:14
